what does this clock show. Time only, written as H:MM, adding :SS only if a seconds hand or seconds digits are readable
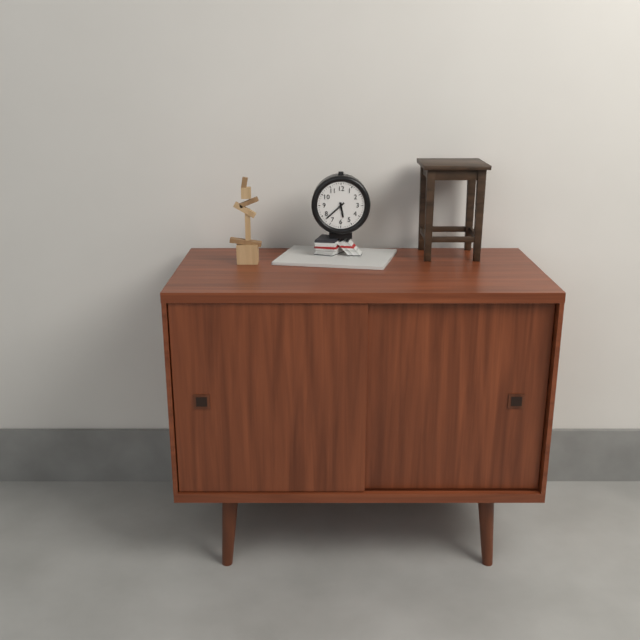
5:38
